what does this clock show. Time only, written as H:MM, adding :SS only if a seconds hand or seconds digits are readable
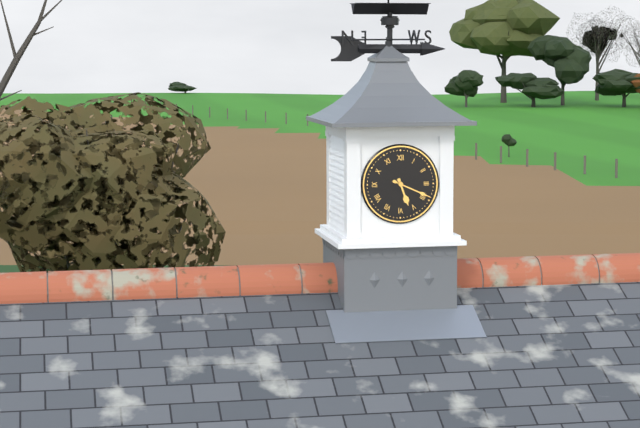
5:19
